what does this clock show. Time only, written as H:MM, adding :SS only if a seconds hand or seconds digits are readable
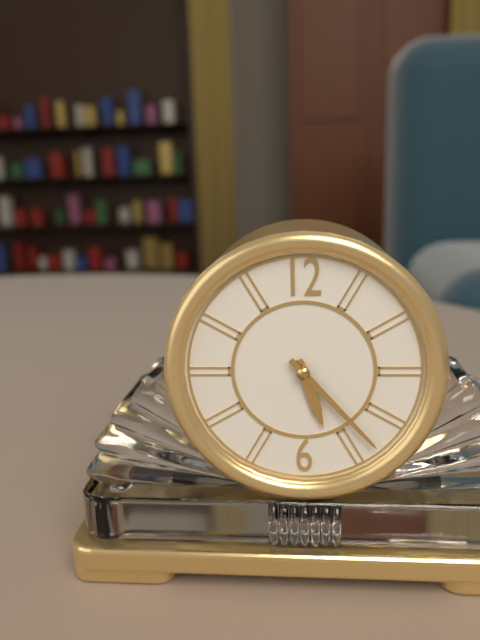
5:23
